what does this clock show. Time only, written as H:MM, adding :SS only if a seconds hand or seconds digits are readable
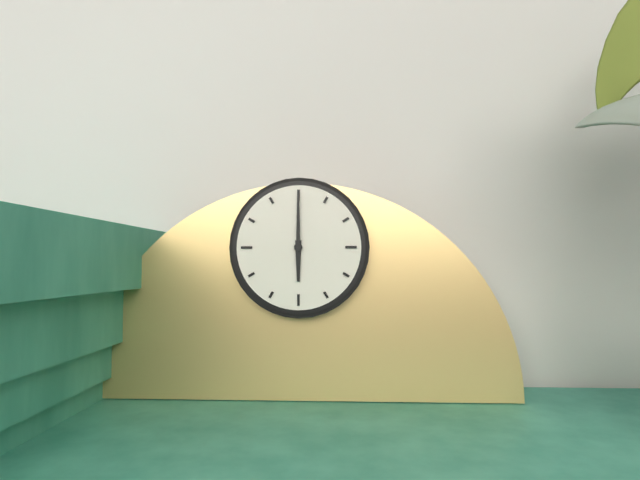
6:00
